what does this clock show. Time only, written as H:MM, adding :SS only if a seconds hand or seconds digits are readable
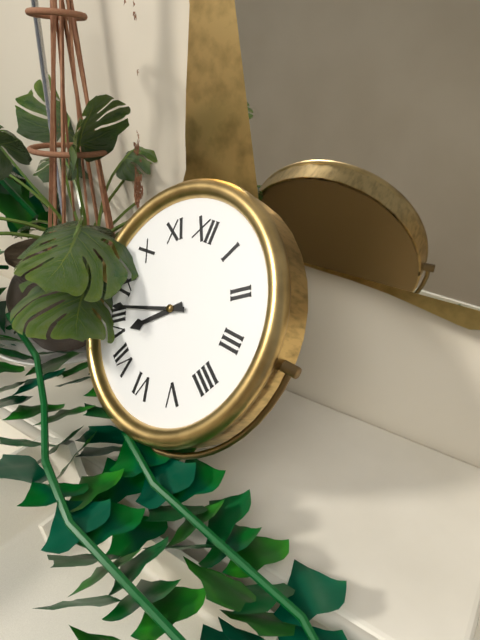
7:42
